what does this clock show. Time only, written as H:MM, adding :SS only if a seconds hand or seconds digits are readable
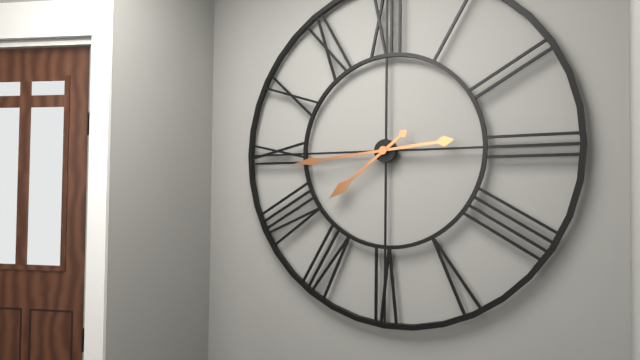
7:44
